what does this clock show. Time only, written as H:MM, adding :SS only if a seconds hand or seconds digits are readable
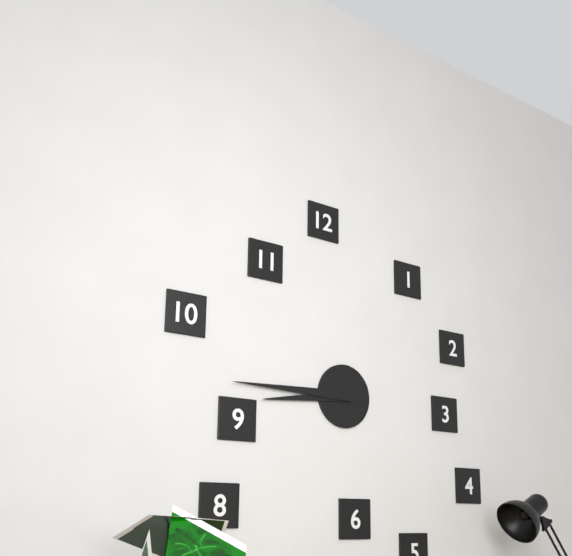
8:45
